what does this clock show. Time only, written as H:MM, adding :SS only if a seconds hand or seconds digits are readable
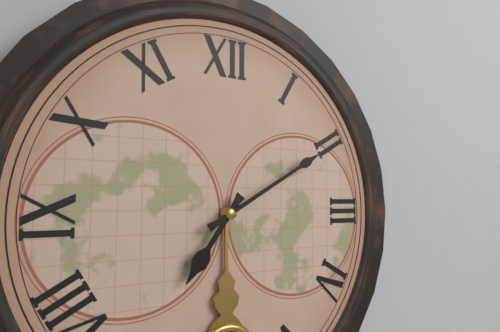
7:10
